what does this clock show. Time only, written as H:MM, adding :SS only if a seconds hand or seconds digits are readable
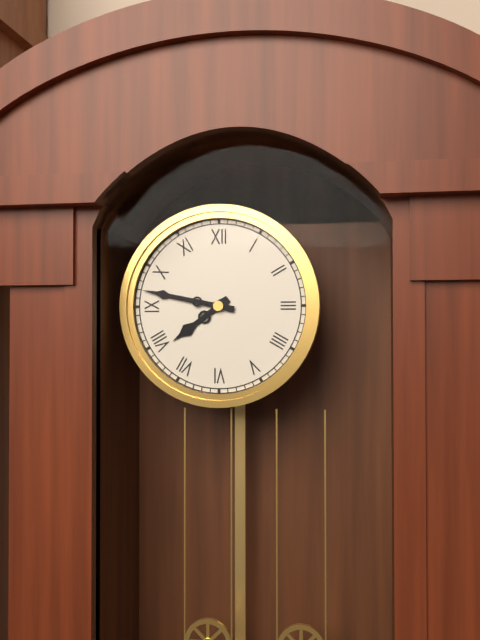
7:47
